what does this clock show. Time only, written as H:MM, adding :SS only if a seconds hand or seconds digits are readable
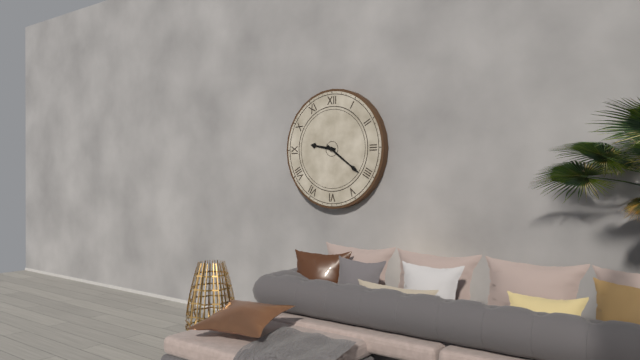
9:21
